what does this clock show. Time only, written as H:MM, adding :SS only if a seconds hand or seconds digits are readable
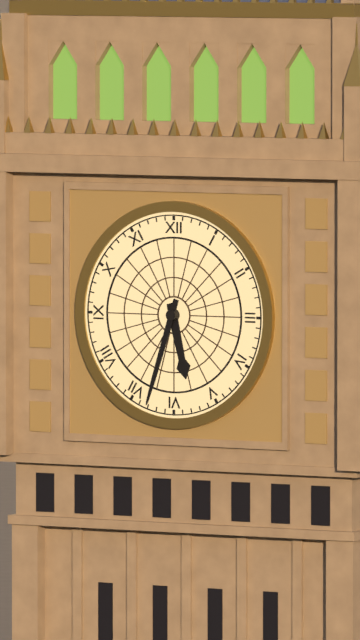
5:33
